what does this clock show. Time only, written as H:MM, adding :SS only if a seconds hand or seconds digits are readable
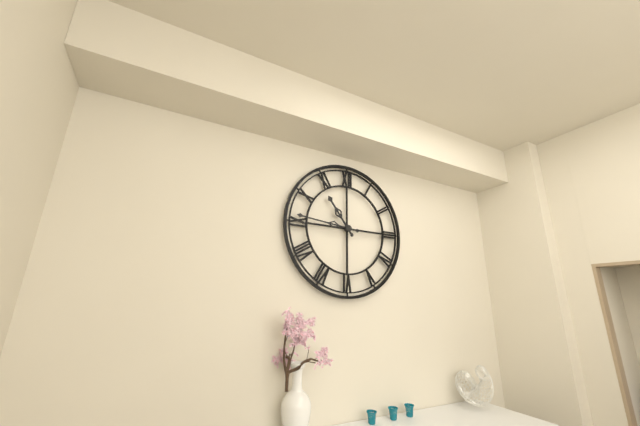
10:46
